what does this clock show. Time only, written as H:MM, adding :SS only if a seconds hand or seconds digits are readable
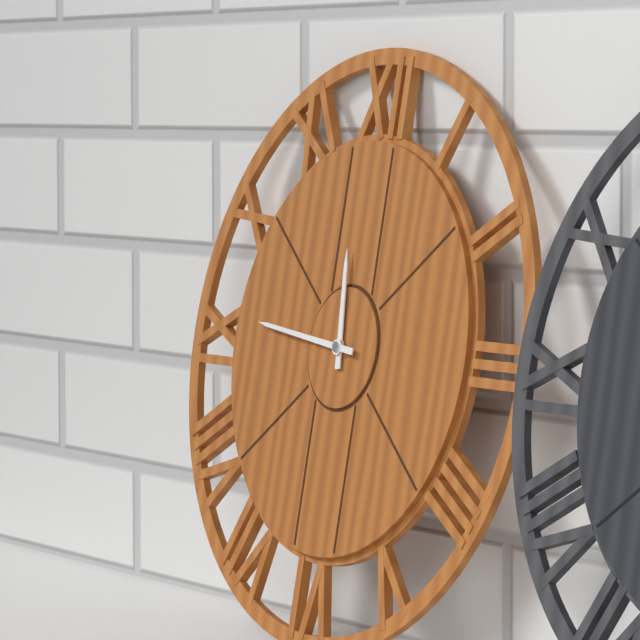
11:46
